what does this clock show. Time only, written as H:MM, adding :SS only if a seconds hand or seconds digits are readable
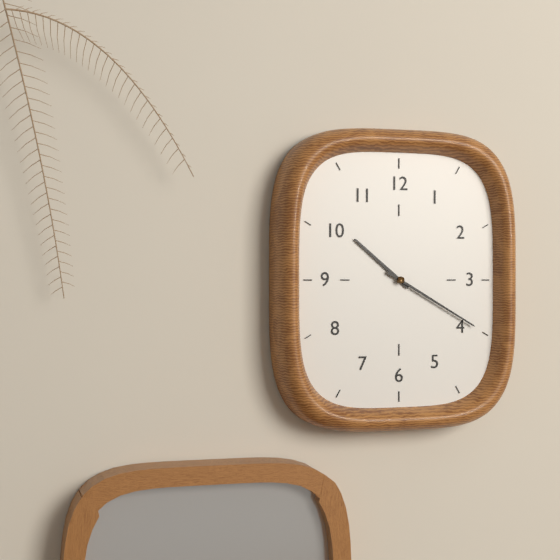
10:20
